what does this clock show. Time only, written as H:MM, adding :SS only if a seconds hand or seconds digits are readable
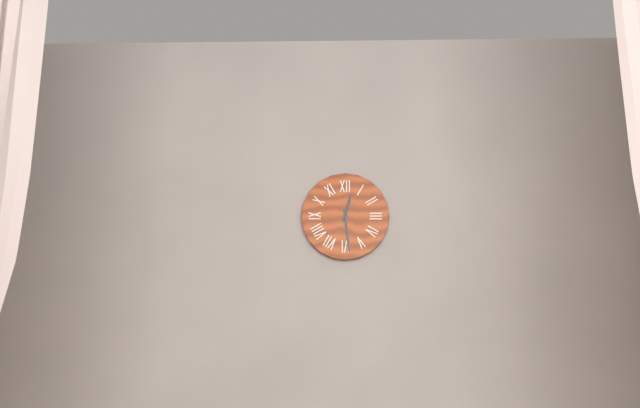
12:29
